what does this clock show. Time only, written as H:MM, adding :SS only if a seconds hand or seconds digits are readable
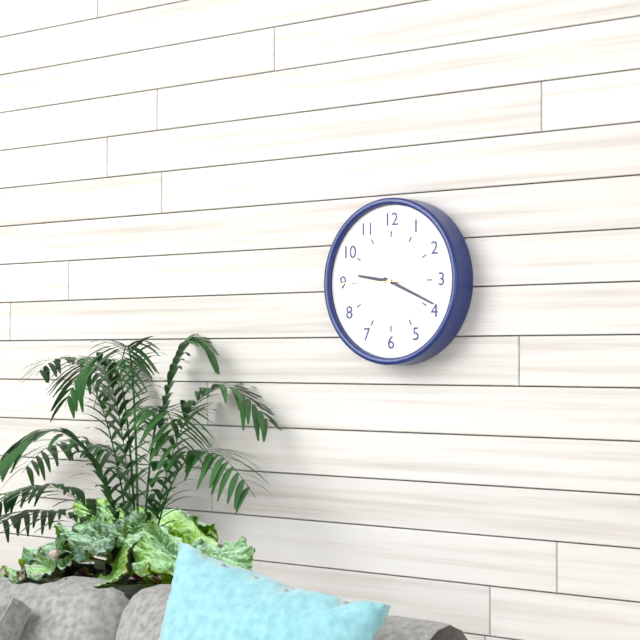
9:19:45
